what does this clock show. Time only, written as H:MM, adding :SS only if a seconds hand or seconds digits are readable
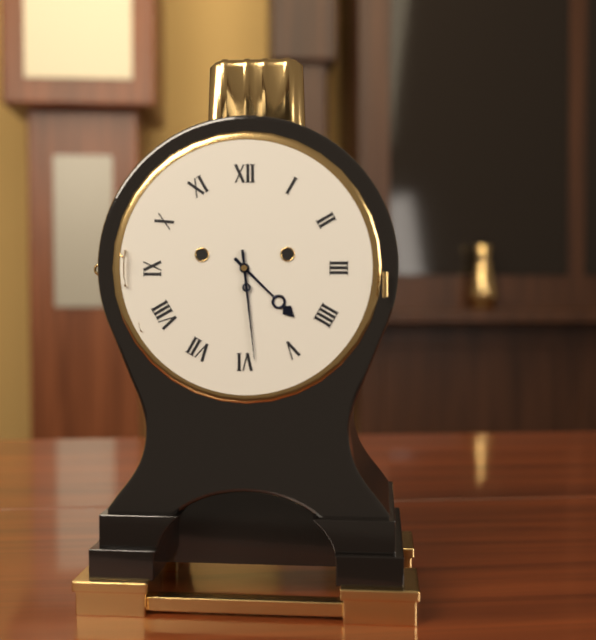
4:29
